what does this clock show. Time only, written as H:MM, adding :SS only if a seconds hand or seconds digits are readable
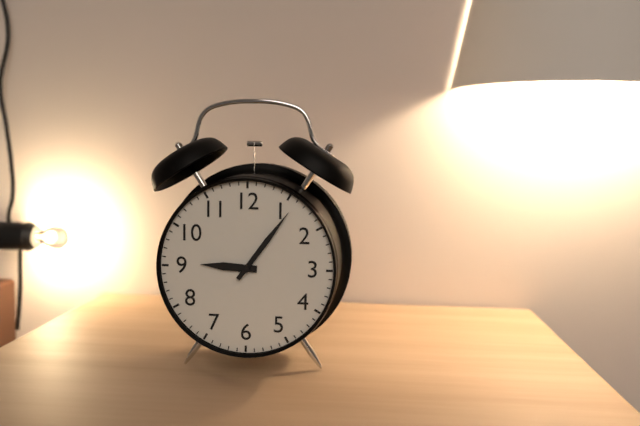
9:06
